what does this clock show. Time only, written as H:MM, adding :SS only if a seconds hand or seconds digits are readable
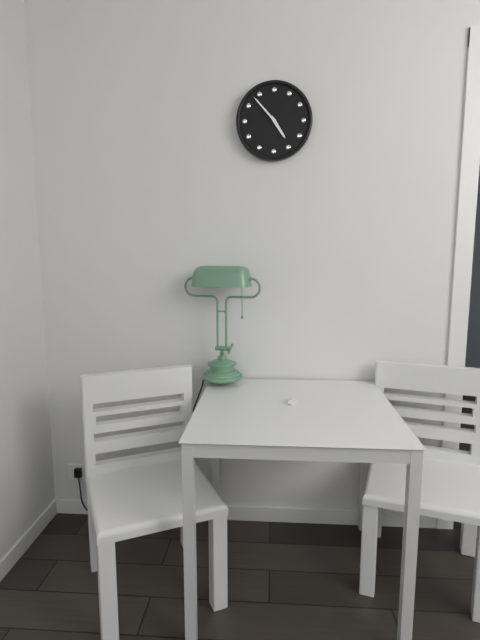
4:53
